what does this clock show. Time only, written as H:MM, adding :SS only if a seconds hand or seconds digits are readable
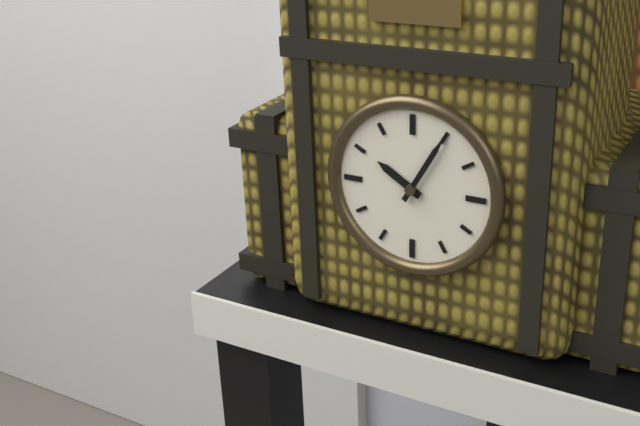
10:05
